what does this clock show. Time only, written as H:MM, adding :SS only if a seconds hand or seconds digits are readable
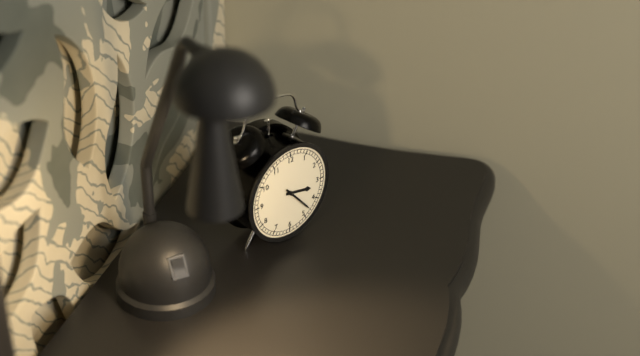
3:23
